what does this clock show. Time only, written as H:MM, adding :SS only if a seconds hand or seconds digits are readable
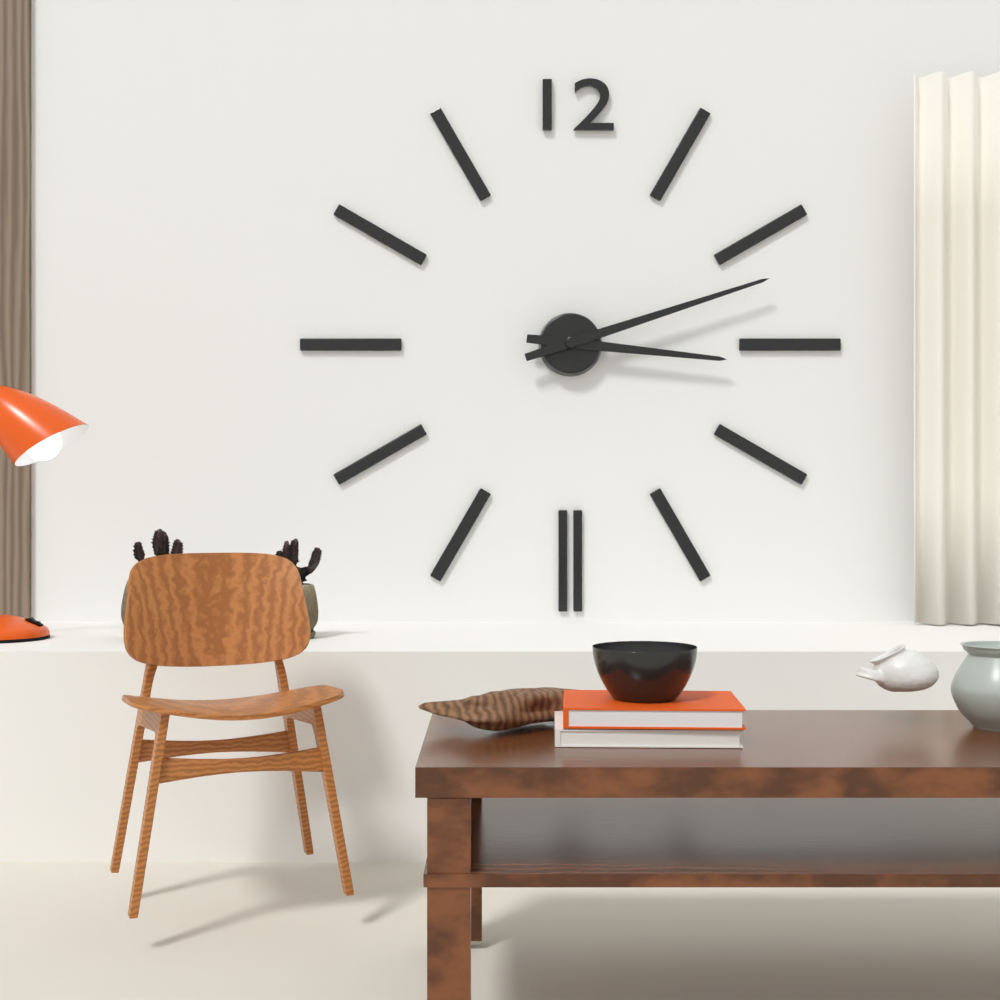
3:12
